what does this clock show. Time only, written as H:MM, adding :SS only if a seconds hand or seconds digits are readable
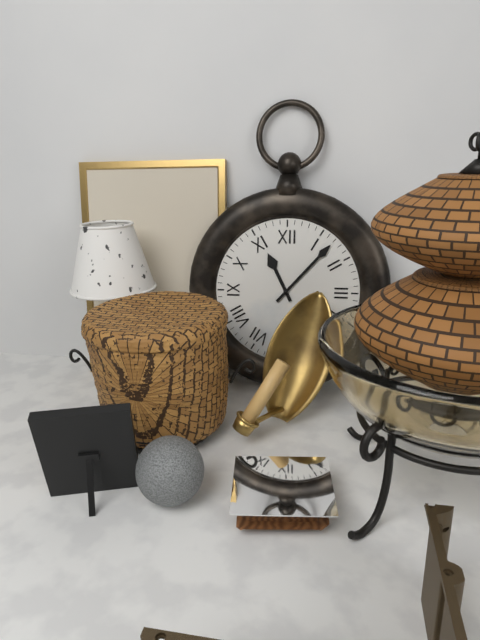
11:07
